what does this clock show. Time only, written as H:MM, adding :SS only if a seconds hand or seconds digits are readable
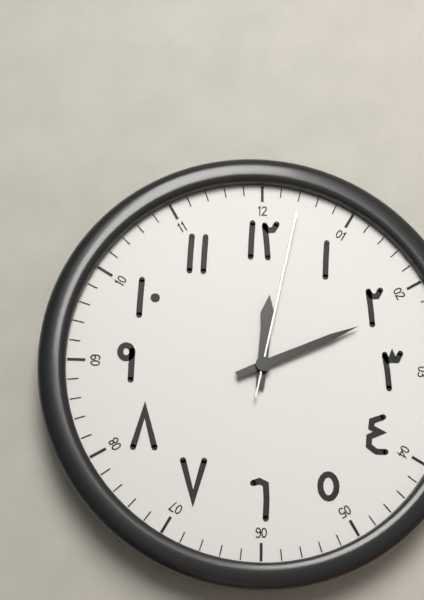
12:11:02
